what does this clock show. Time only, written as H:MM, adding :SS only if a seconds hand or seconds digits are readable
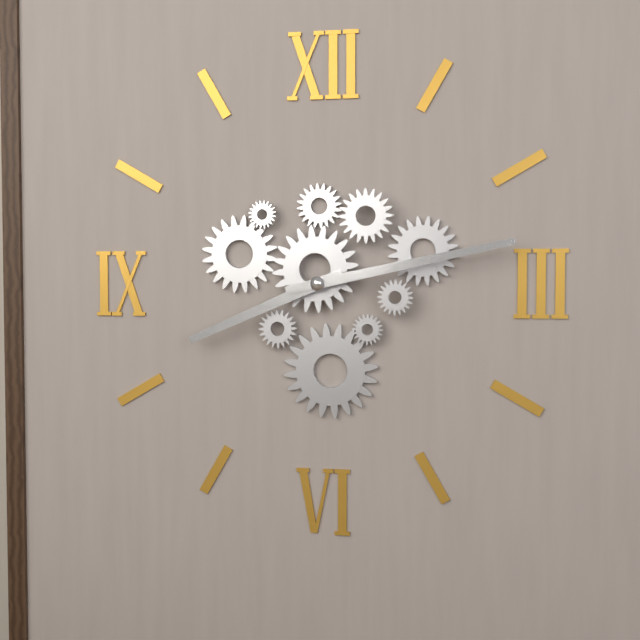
8:13
